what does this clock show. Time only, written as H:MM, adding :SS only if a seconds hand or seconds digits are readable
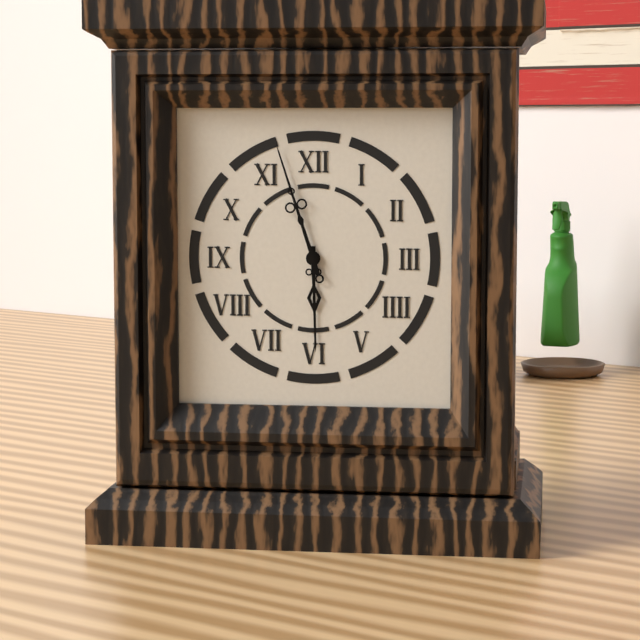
5:57
